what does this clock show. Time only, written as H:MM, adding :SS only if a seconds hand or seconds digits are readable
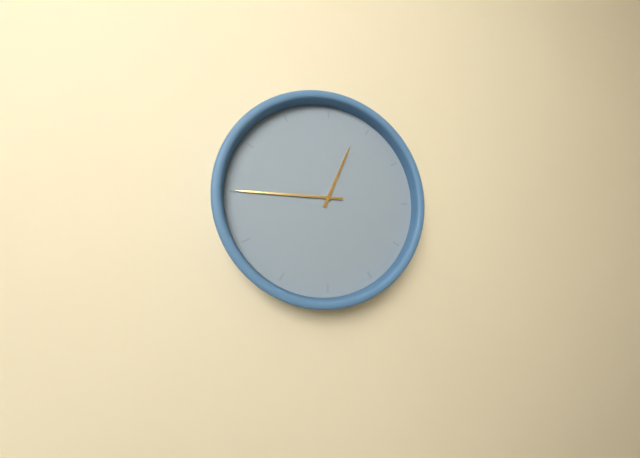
12:45
